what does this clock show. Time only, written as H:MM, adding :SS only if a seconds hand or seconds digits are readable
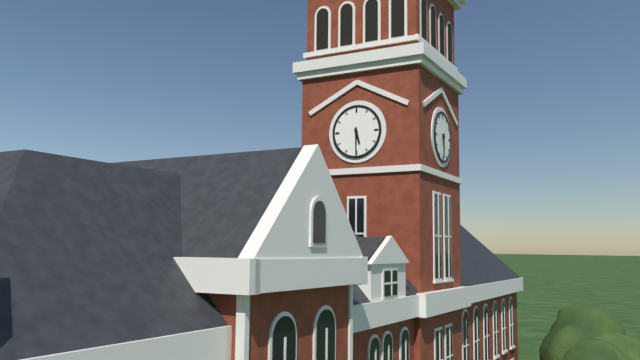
5:30
